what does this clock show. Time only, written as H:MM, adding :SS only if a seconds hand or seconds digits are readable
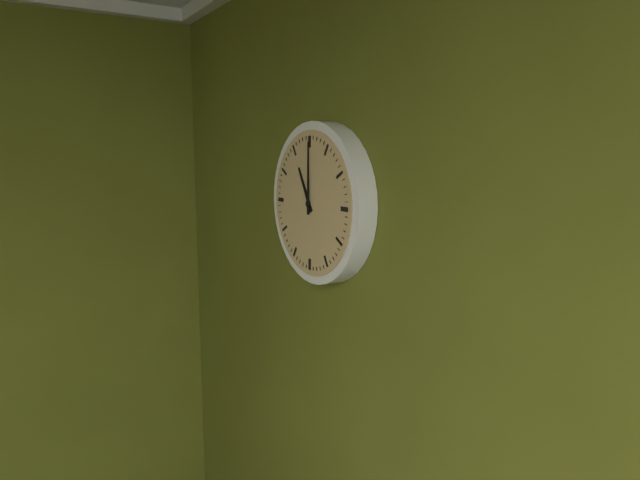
11:00
